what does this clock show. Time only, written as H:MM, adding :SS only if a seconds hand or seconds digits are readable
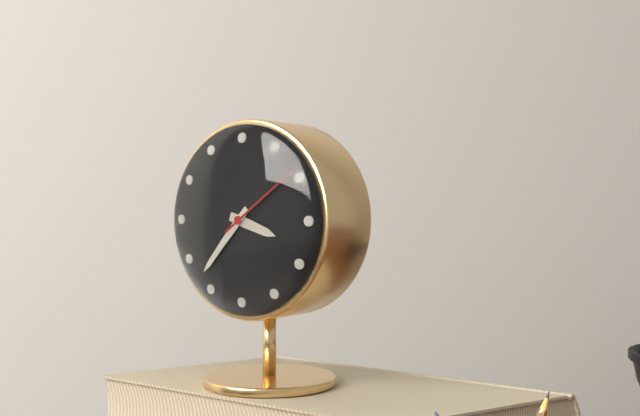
3:37:09
